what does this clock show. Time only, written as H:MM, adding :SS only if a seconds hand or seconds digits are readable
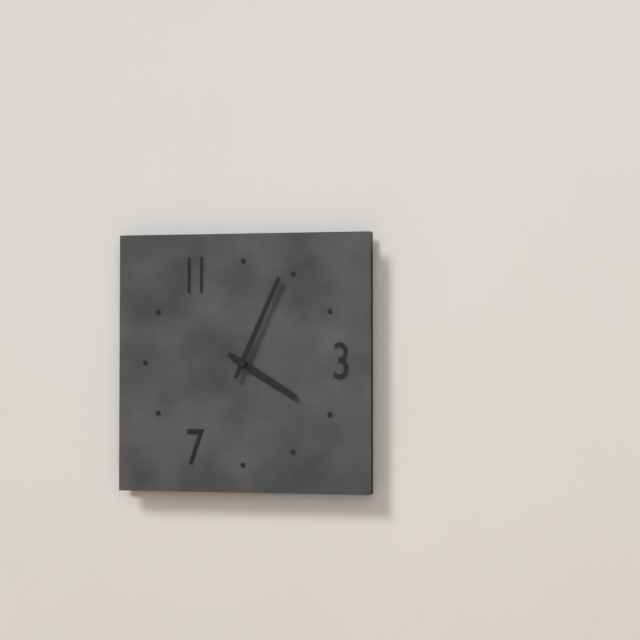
4:04
